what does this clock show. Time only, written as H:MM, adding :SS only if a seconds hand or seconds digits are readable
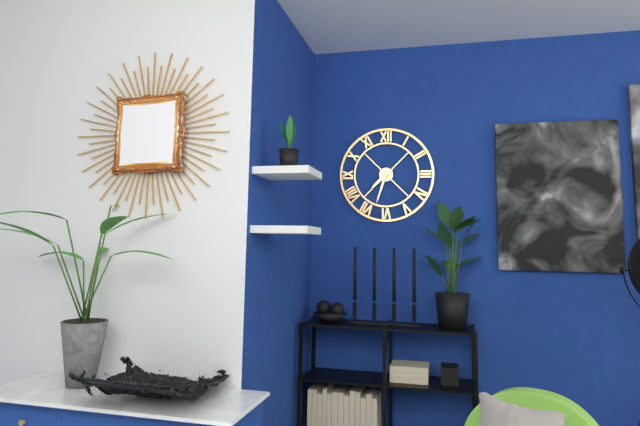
7:33
